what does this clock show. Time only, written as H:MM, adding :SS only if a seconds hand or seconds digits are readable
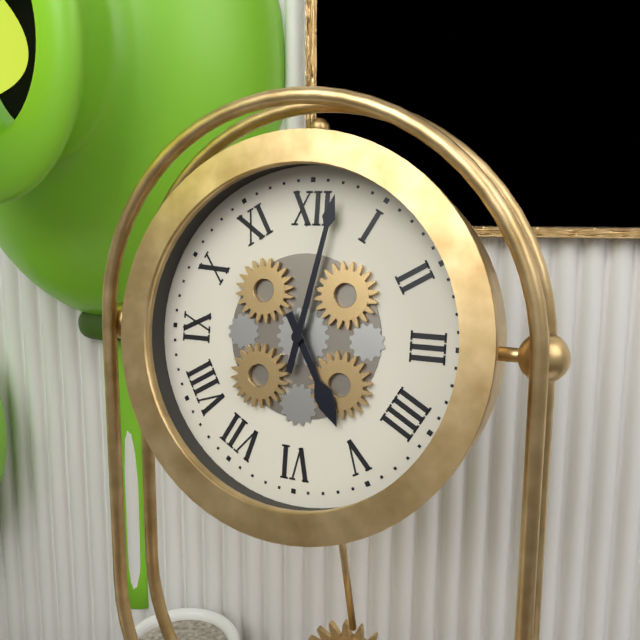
5:02
